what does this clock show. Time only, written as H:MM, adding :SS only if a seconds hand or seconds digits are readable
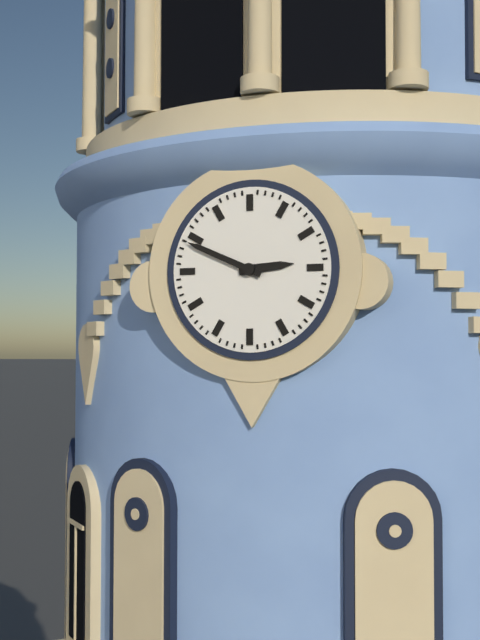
2:49
